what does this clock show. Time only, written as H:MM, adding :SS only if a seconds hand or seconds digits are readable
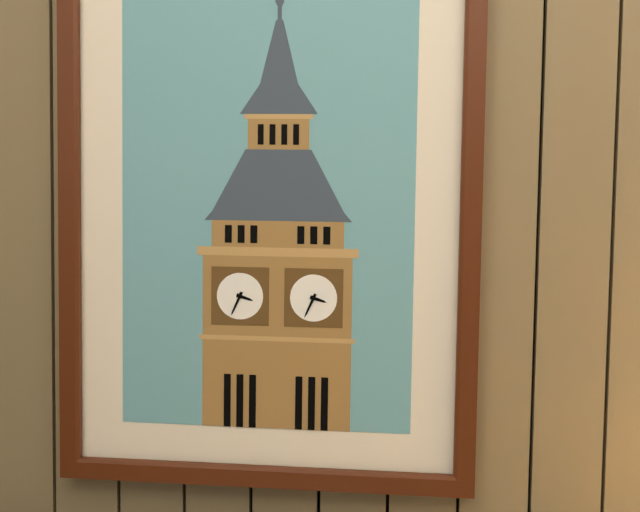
3:34
